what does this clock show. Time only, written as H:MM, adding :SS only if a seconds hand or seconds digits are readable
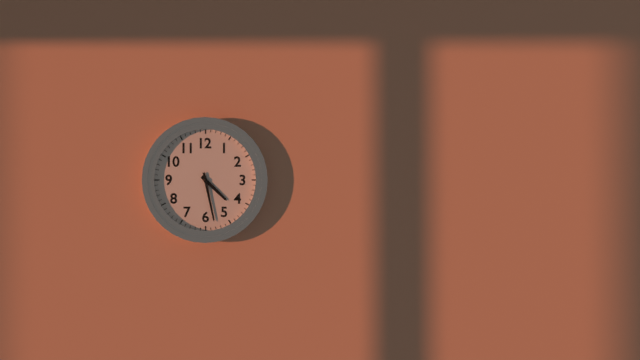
4:28
